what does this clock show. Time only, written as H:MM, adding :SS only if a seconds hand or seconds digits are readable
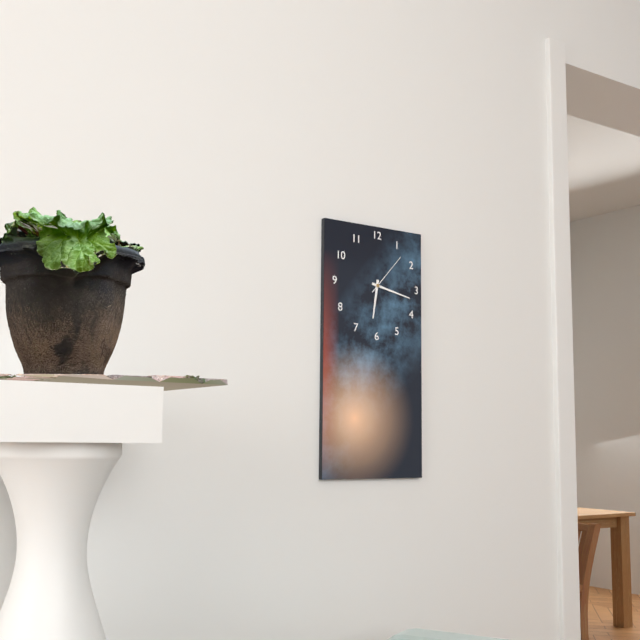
6:17
